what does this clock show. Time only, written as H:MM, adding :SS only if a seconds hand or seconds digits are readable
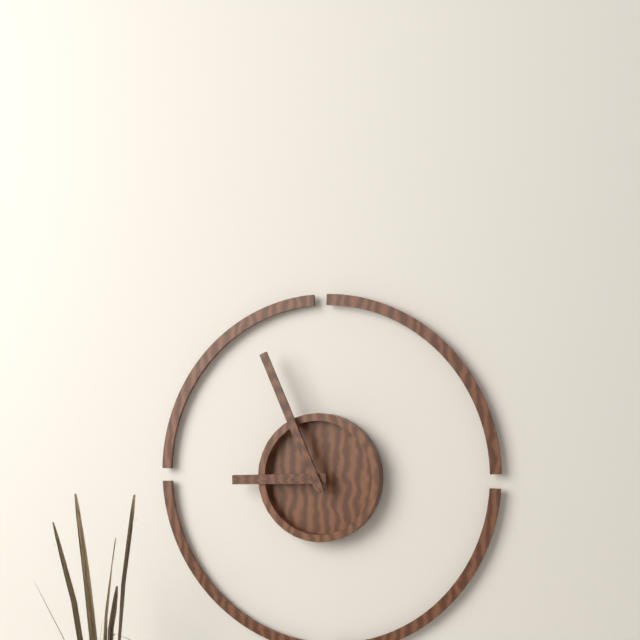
8:56
